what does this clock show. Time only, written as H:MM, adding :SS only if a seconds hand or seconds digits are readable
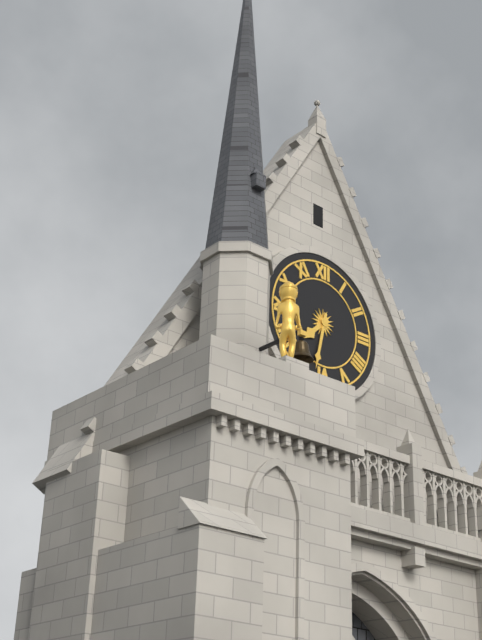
7:32
